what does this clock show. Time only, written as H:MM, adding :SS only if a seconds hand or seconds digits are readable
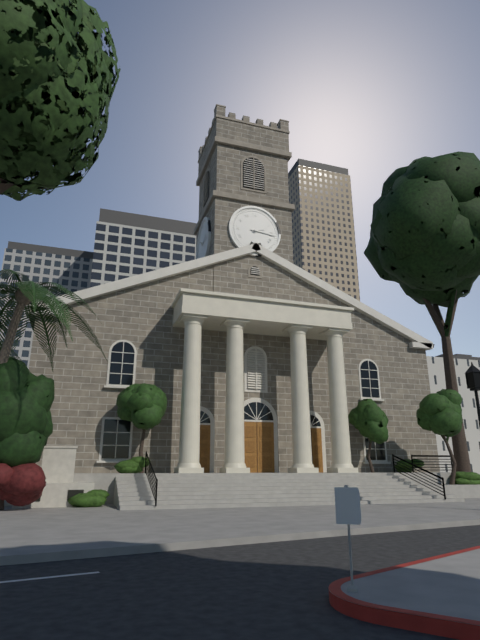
2:16
